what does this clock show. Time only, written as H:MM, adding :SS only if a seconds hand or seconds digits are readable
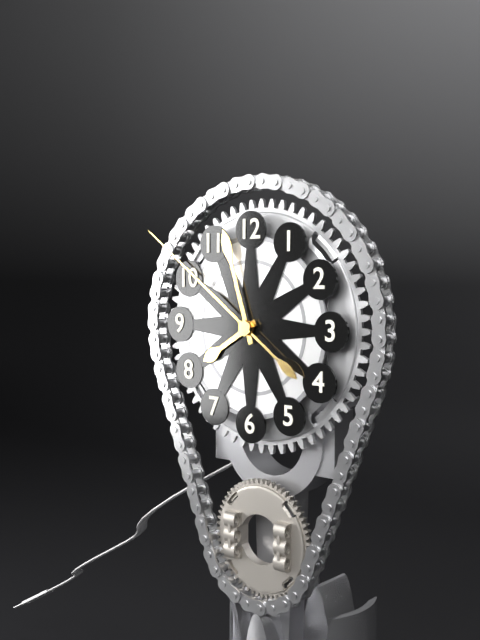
7:57:51
